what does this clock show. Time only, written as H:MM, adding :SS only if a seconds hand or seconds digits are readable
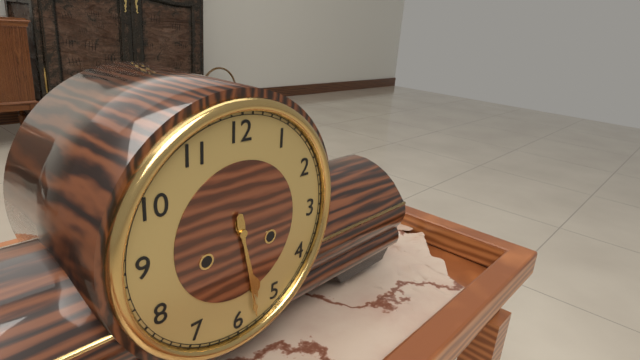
5:28
